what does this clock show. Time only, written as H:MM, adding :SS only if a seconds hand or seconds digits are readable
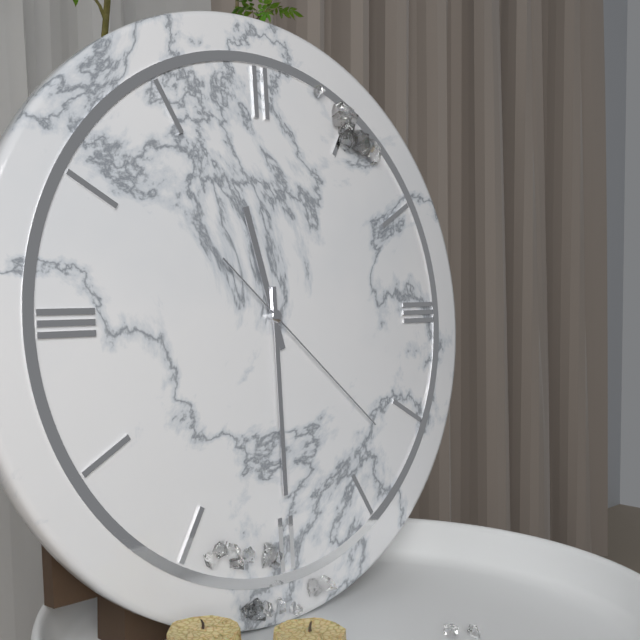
11:30:22
